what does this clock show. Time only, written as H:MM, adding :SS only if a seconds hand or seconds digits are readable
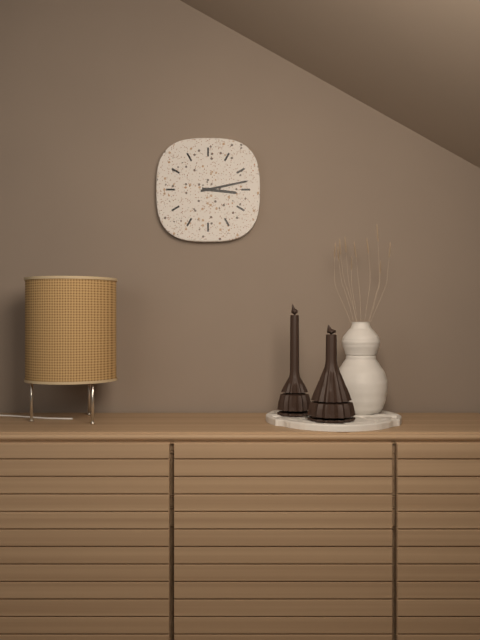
3:13
